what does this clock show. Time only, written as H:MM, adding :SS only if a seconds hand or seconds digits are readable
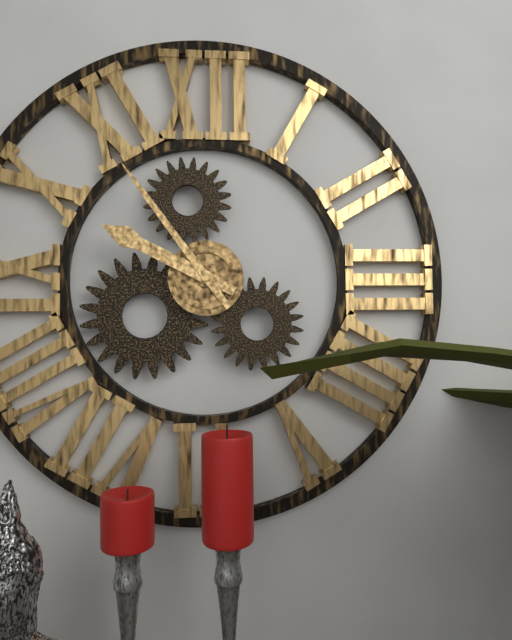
9:54
